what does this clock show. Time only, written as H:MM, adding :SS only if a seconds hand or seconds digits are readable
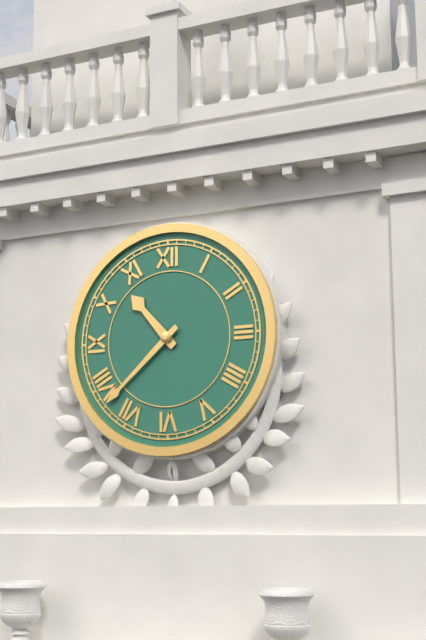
10:38
